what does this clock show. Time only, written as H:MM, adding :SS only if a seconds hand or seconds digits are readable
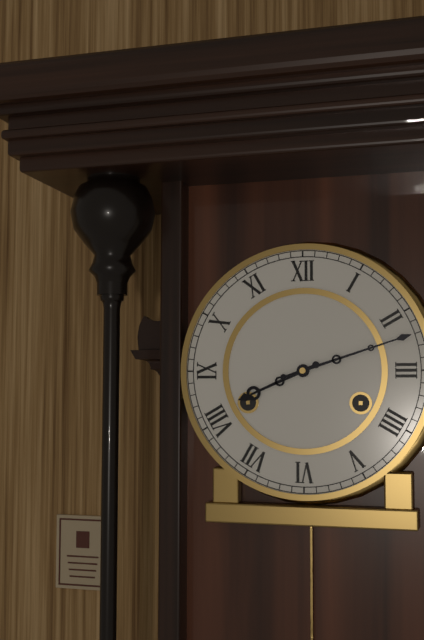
8:12
